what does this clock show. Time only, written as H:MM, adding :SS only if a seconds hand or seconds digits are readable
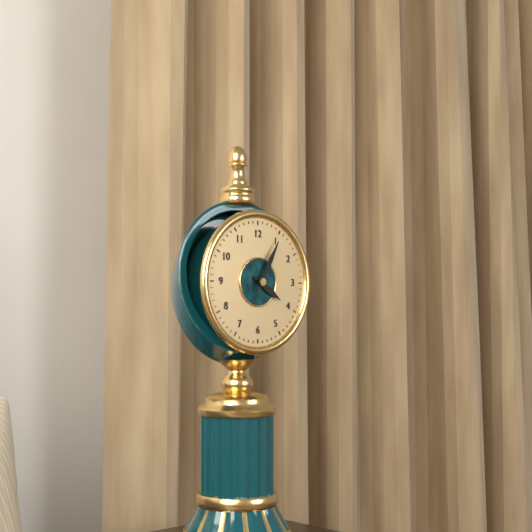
4:05
